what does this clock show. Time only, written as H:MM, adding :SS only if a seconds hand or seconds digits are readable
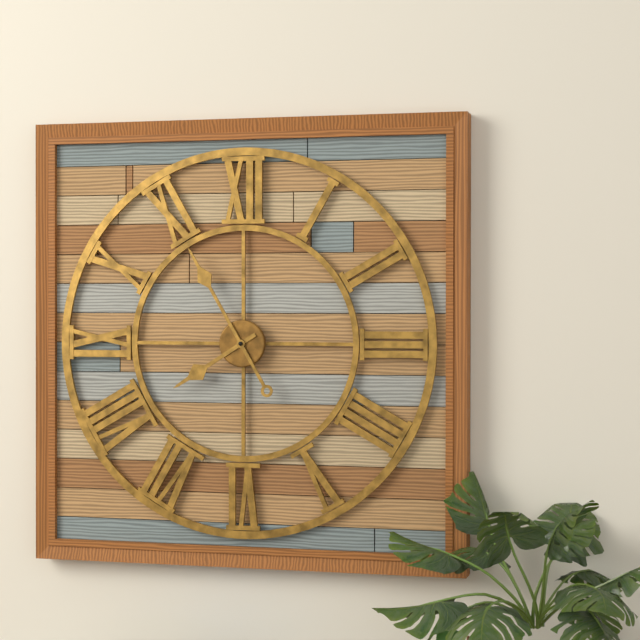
7:55
